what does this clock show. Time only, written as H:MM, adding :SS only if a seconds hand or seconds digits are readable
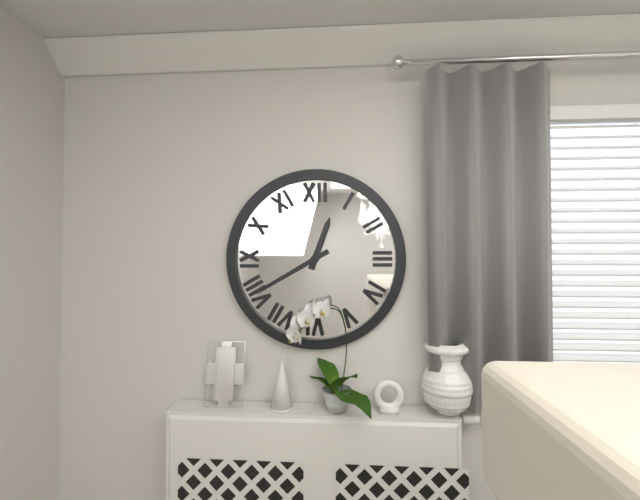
12:40
